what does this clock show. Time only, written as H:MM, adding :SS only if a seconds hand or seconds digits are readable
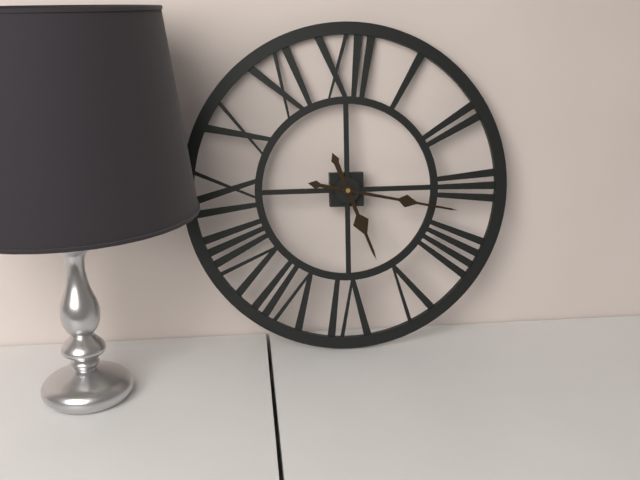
5:17
